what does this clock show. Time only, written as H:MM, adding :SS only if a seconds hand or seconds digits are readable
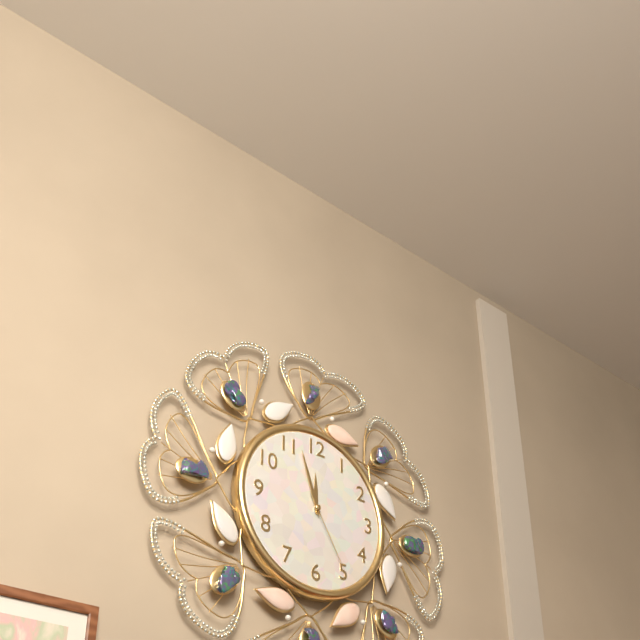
11:57:25
